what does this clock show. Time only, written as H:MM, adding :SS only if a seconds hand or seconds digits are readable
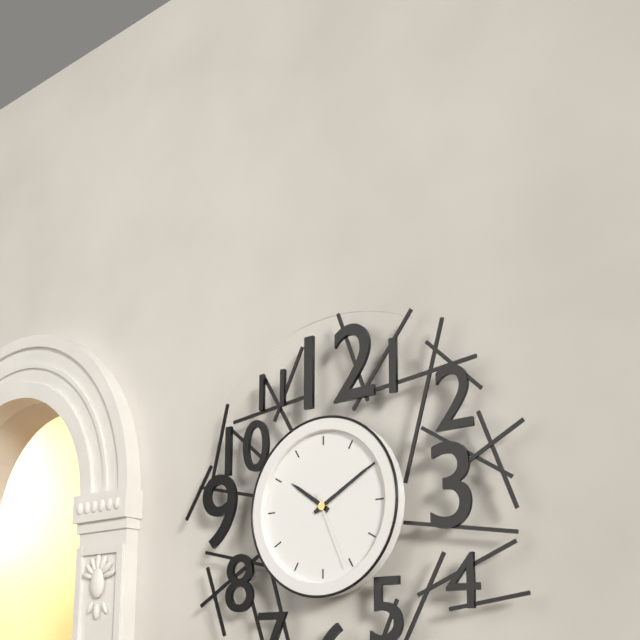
10:10:26
